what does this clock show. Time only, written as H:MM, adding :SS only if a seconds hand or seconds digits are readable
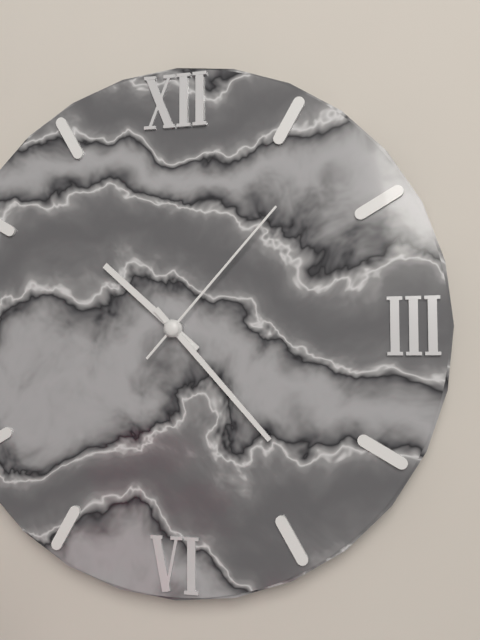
10:23:07
